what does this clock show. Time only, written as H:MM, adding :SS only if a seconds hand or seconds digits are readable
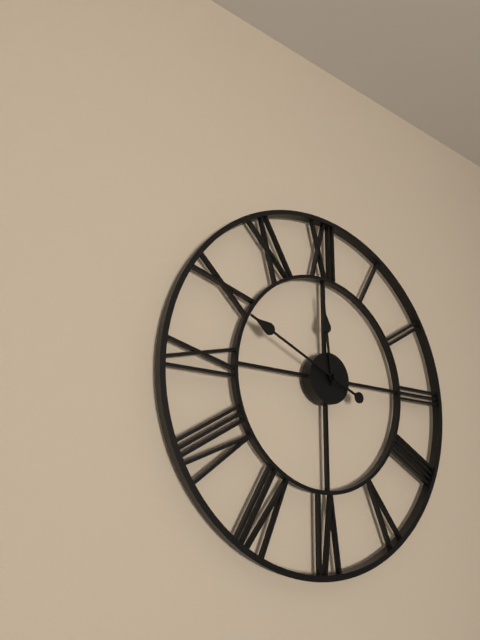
11:49
